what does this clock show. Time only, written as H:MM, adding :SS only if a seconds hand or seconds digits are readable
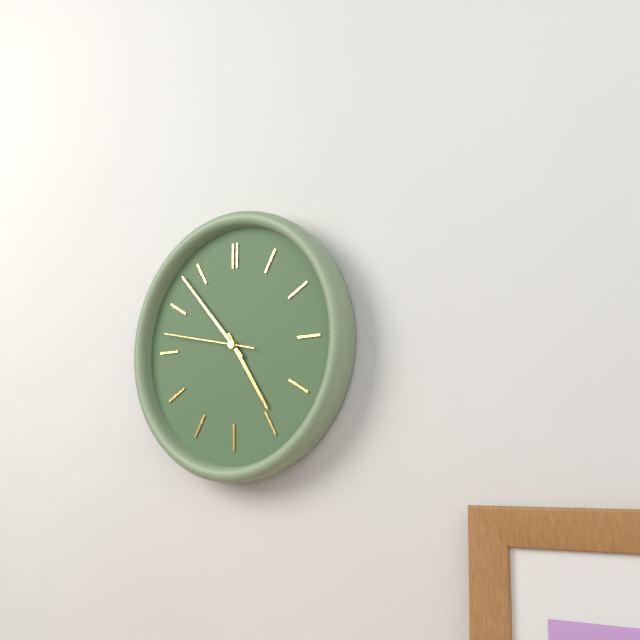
4:53:47
